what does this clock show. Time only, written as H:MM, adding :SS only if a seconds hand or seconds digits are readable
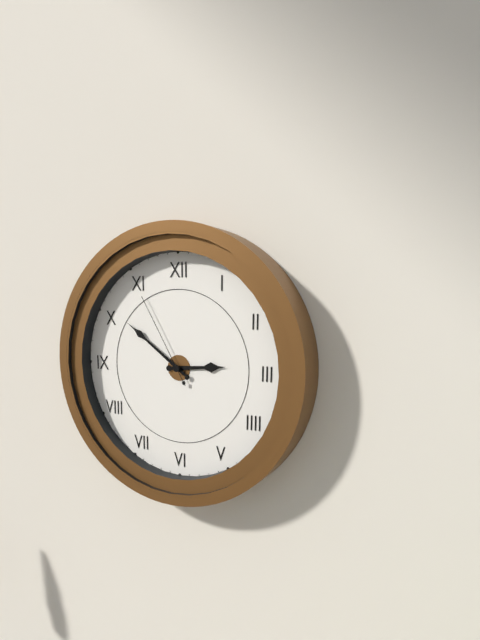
2:51:55
